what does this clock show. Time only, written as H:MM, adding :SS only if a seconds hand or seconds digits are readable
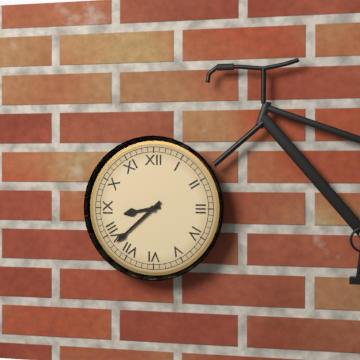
8:38
